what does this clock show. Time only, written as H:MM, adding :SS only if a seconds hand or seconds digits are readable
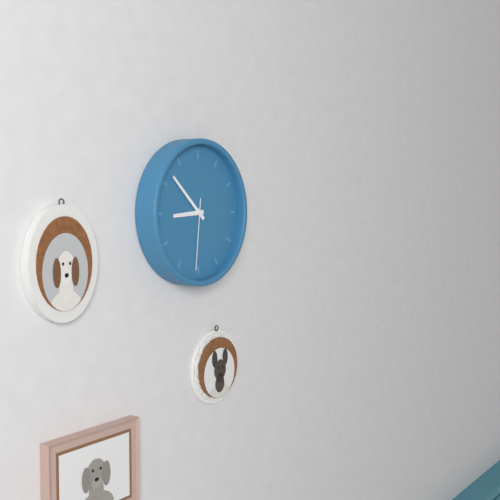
8:52:31
